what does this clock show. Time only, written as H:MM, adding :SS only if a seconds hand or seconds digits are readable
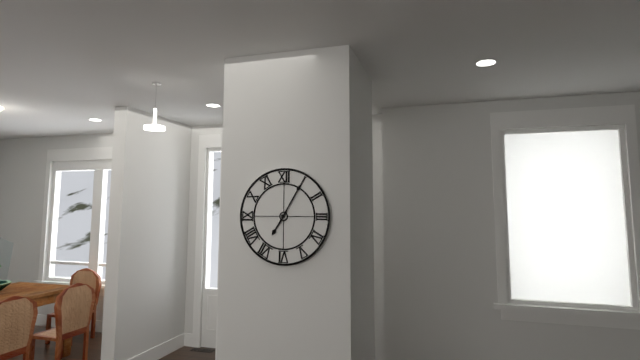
7:05
